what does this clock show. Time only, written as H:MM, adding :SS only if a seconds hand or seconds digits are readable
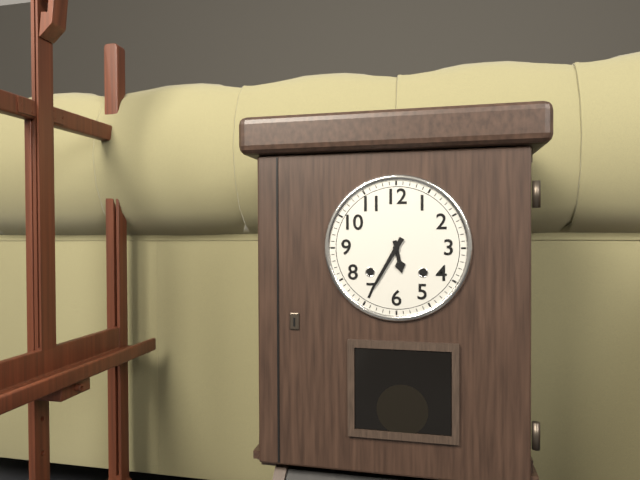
5:35
